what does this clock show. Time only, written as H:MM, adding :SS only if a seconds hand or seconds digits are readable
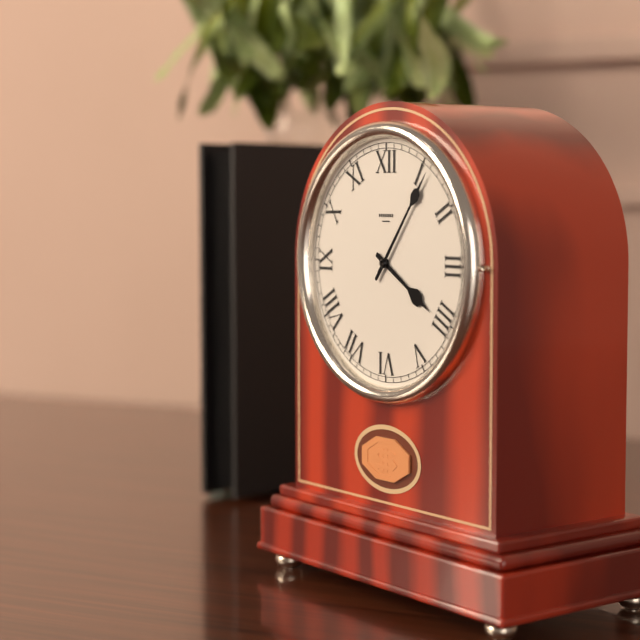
4:06
